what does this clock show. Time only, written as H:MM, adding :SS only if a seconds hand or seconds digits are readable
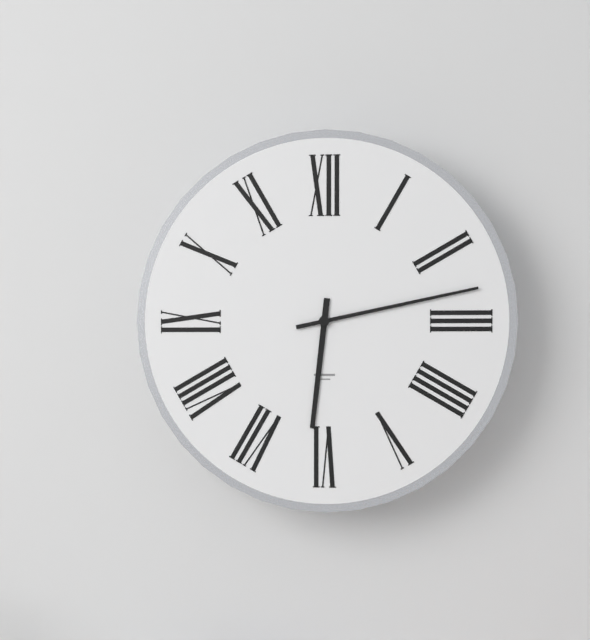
6:13
